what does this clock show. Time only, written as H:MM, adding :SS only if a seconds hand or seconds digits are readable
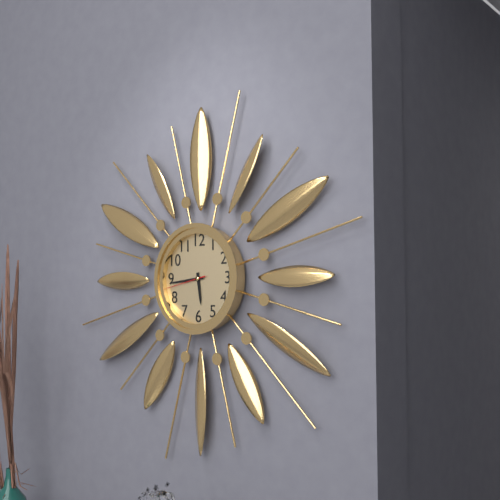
5:44
